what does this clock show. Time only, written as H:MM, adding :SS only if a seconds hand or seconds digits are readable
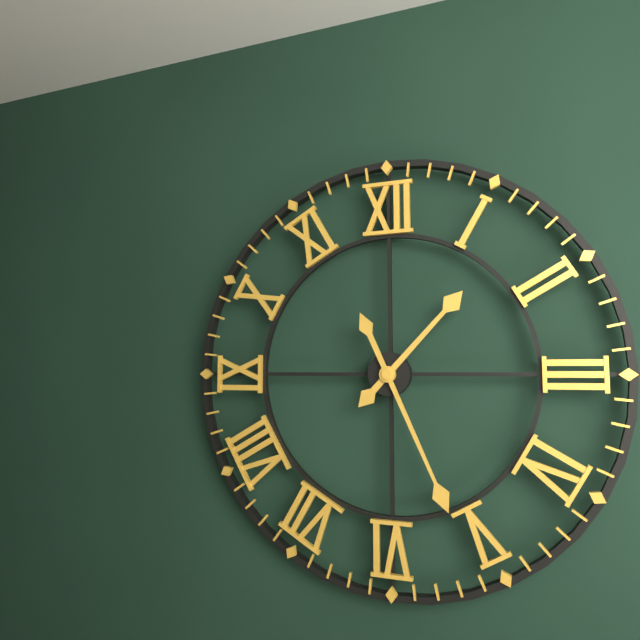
1:26
